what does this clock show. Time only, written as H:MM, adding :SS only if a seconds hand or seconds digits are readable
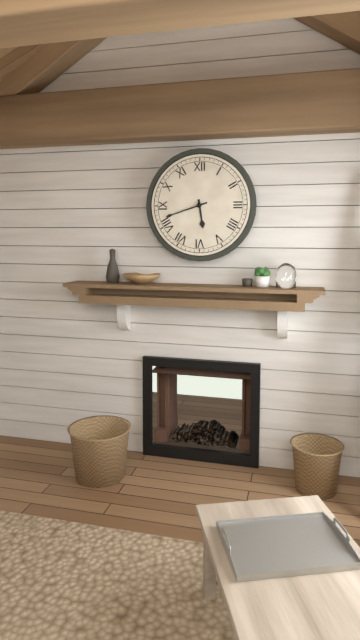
5:42
